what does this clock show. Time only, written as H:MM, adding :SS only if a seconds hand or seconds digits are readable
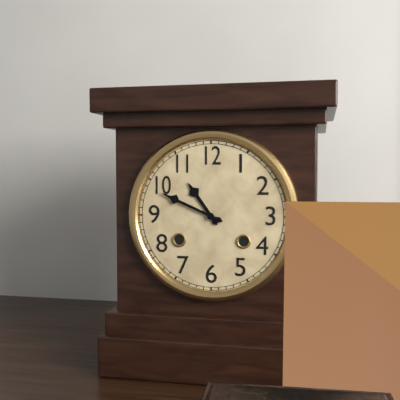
10:49
